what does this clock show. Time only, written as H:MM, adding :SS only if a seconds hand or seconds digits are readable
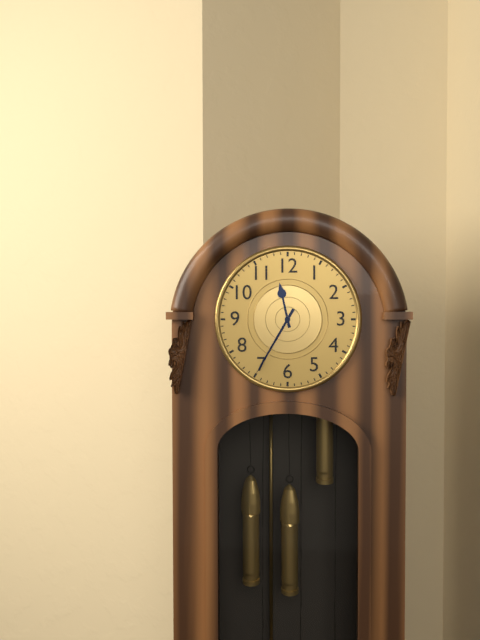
11:35
